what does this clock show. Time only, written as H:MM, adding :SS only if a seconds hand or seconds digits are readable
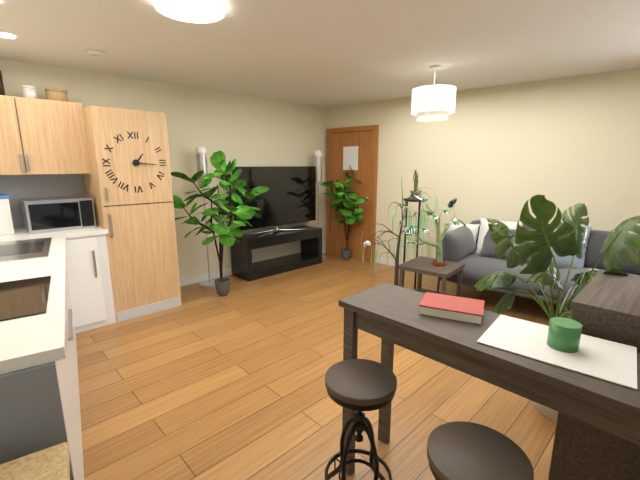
1:16
